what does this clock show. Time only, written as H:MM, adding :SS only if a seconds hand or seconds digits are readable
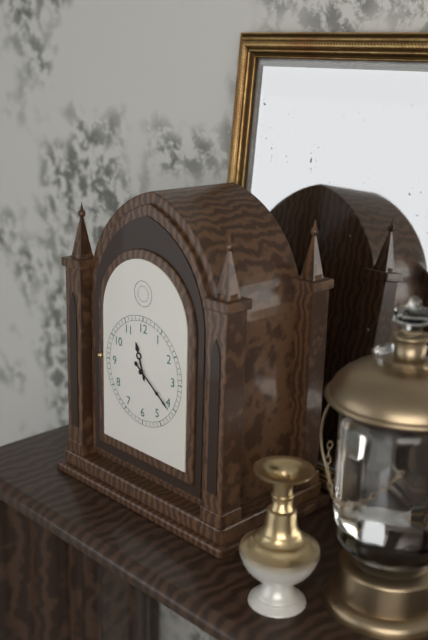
11:21
